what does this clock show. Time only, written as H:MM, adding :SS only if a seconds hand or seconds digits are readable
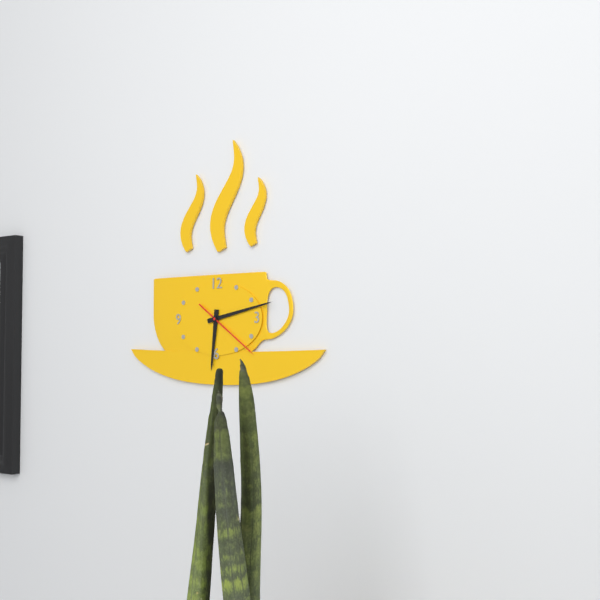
6:13:21
